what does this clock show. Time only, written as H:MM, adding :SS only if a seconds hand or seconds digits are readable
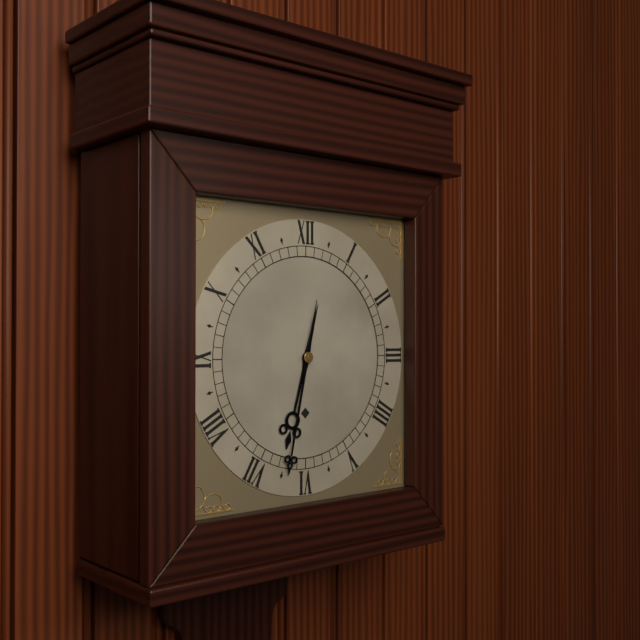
6:32
